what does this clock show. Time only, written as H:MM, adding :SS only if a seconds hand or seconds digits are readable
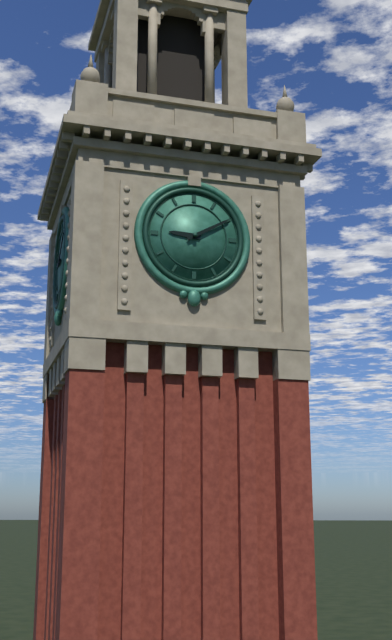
9:10
